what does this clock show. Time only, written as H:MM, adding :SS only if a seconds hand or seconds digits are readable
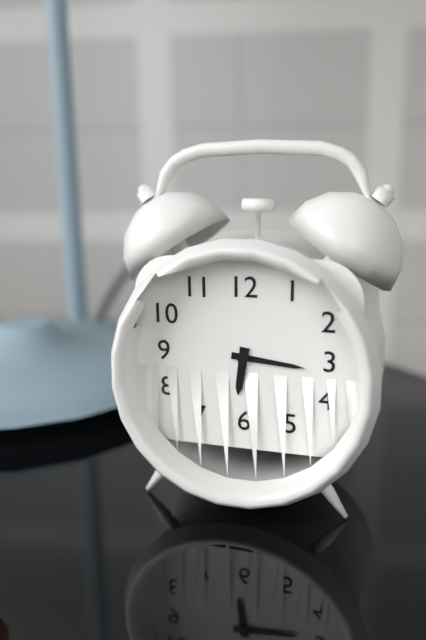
6:16
